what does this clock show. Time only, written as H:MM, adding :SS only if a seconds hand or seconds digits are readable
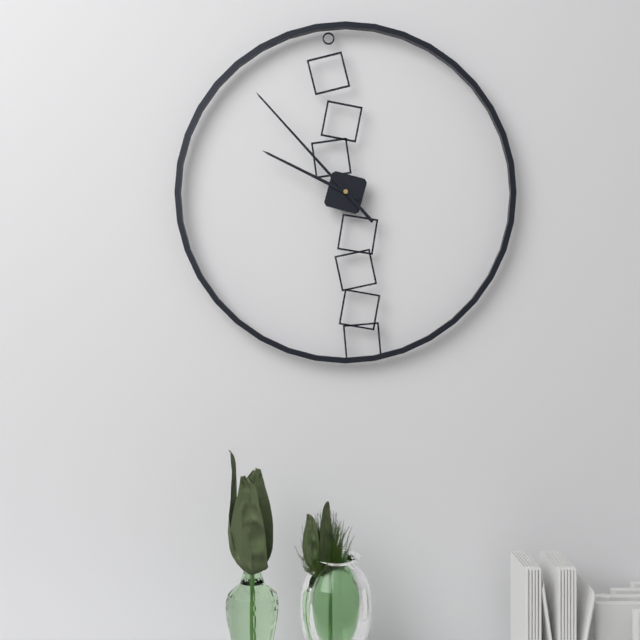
9:53
